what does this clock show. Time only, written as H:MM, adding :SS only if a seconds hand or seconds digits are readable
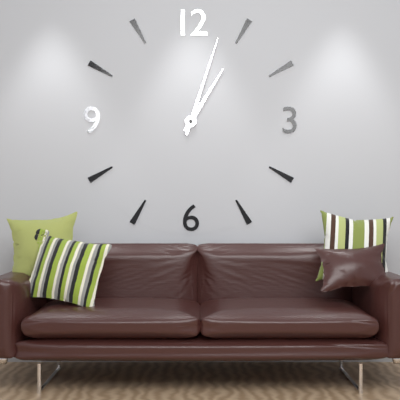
1:03
